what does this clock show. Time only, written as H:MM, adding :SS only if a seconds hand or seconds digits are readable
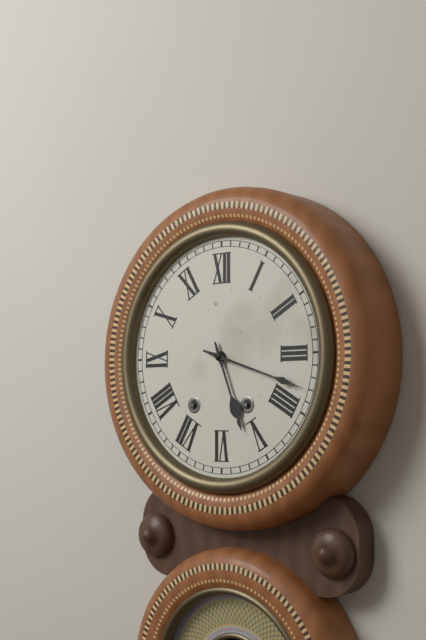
5:18
